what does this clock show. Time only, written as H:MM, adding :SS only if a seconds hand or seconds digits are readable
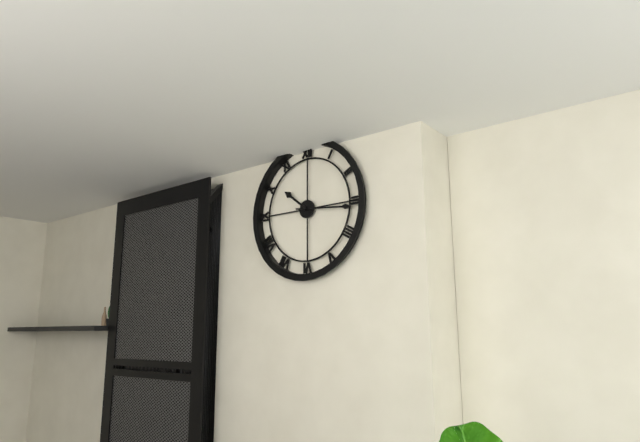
10:16
